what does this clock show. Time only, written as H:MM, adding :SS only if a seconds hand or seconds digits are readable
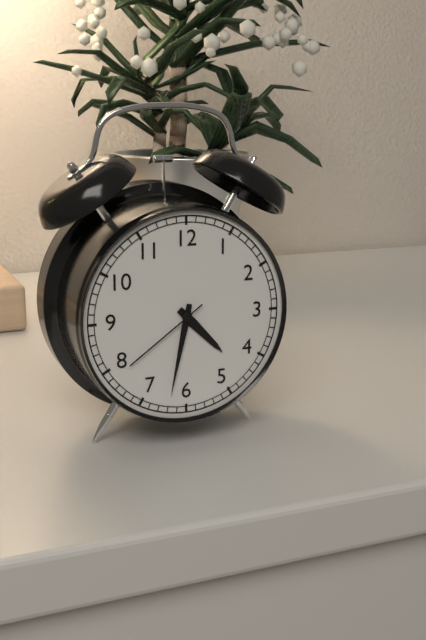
4:32:39
